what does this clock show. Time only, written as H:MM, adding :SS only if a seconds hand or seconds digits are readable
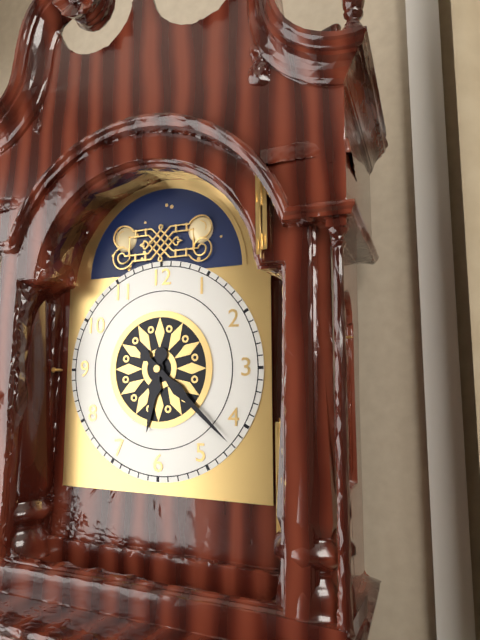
6:22
